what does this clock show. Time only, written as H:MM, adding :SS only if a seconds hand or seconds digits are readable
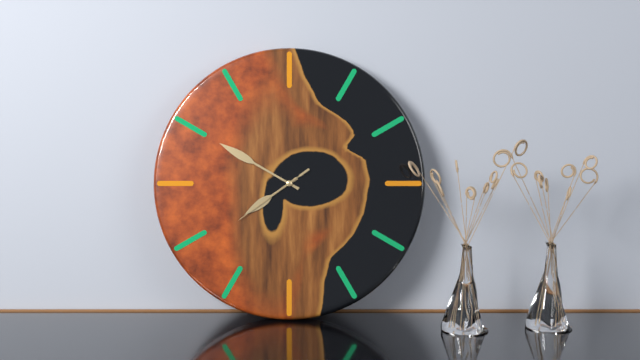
7:50:39
